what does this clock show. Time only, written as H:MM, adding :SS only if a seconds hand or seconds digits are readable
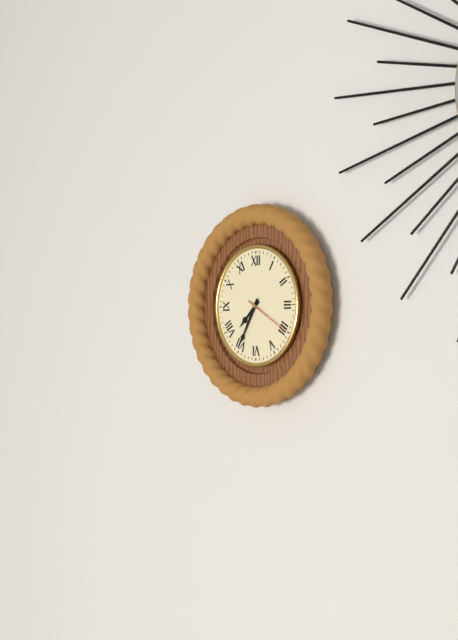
7:35
